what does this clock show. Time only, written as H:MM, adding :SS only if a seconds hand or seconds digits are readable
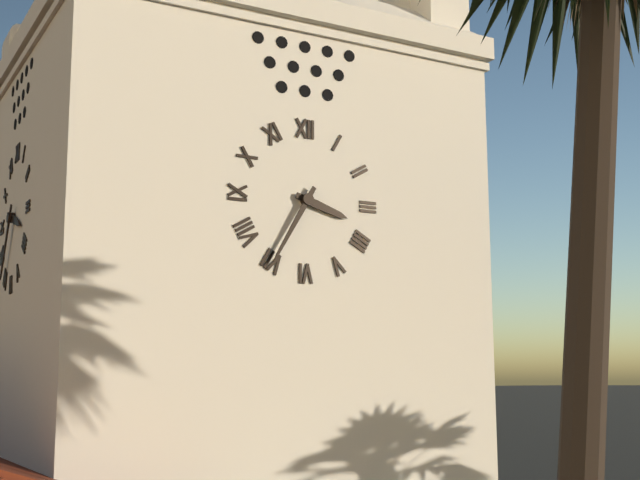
3:35
